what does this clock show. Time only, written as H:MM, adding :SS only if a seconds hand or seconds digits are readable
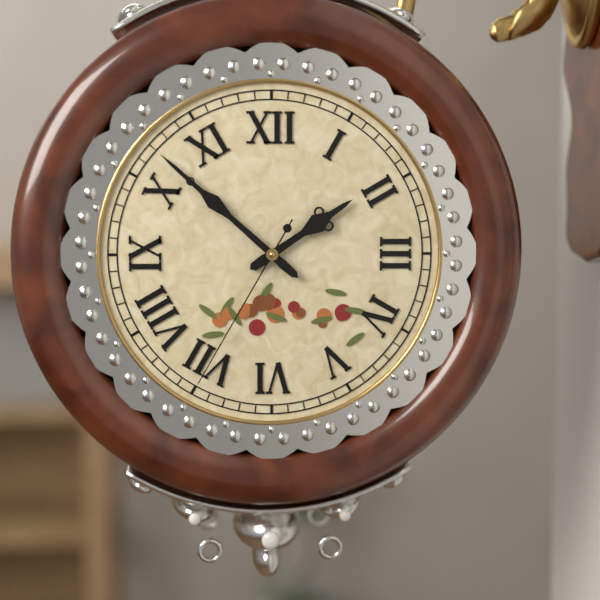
1:52:35
